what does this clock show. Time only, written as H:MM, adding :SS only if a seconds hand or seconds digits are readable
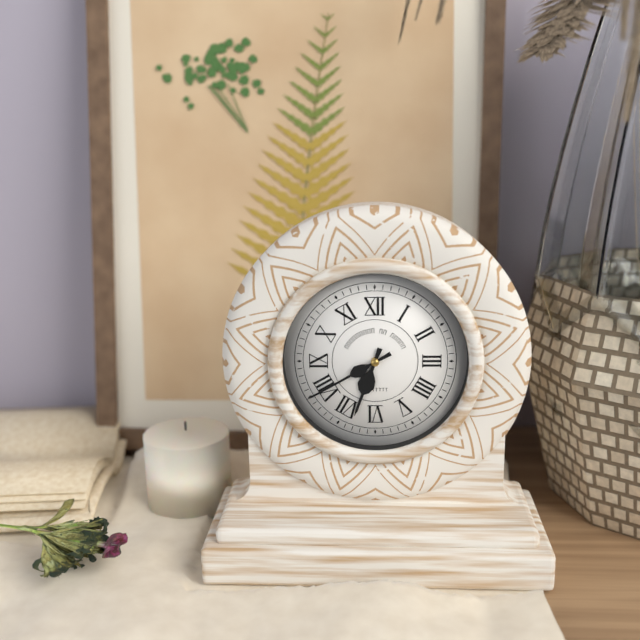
6:40
